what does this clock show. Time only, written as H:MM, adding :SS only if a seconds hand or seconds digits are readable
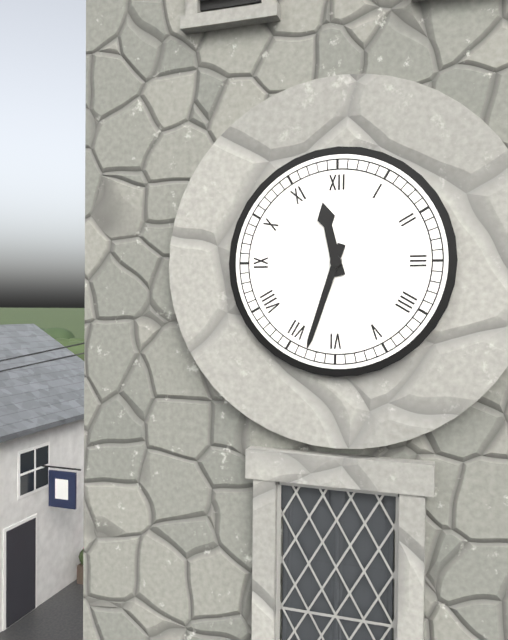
11:33
